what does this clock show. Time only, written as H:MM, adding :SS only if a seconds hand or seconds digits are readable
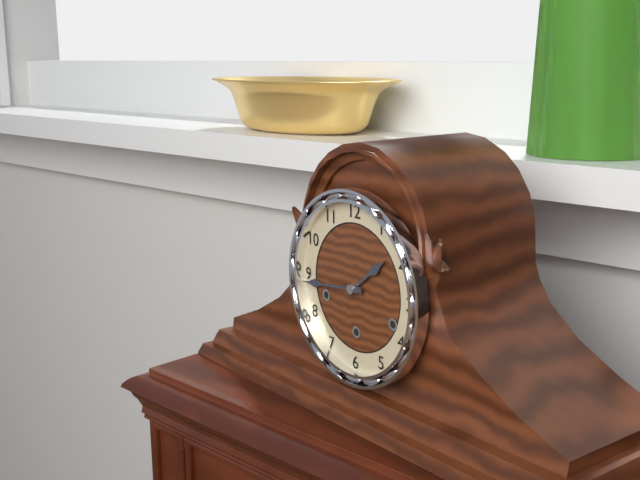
1:44
